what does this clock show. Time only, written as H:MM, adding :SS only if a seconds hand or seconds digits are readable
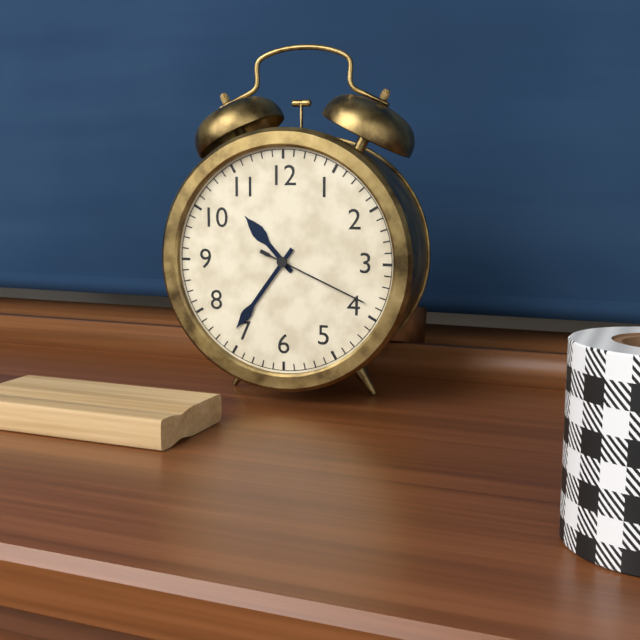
10:36:19
